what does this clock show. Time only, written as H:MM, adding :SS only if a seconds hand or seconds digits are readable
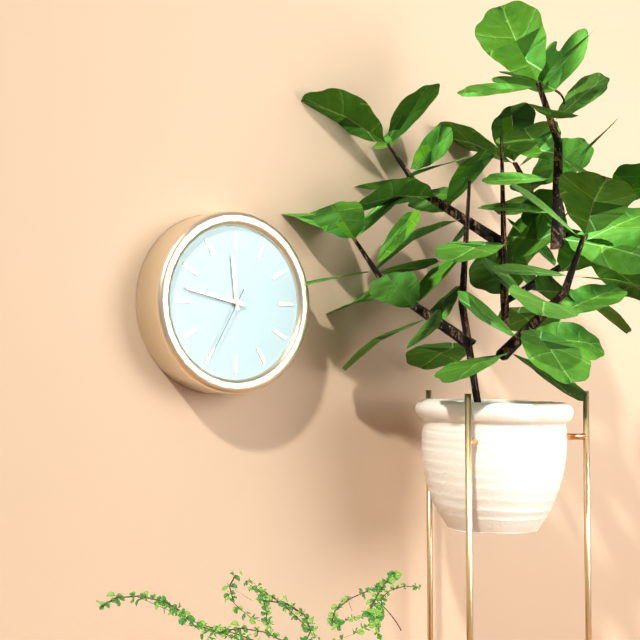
11:47:35
